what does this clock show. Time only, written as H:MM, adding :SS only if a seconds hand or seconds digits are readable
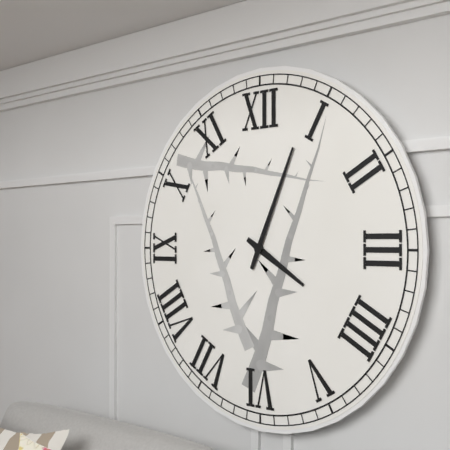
4:04
